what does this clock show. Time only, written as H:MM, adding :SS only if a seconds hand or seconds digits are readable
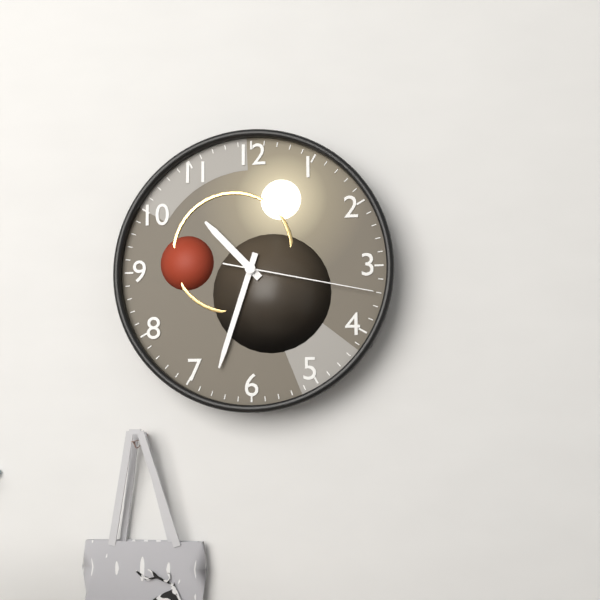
10:33:17
